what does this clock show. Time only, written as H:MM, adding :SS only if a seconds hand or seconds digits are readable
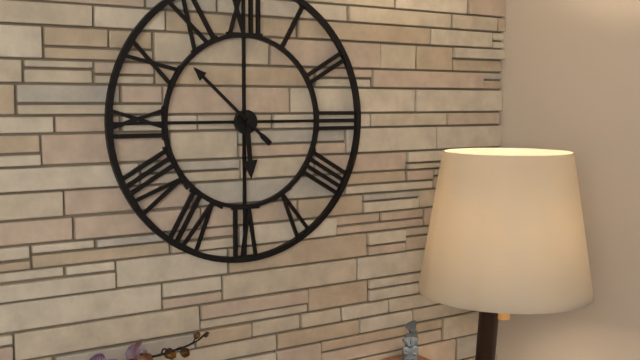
5:52
